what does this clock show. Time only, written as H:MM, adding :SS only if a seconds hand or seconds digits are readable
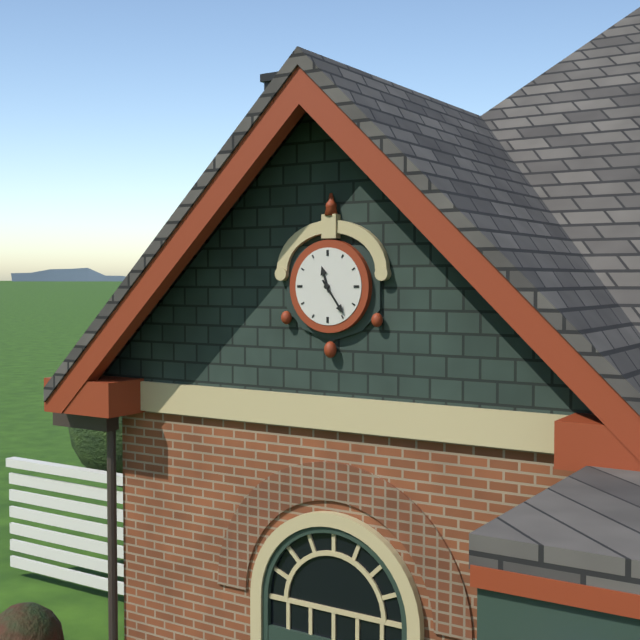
11:24
